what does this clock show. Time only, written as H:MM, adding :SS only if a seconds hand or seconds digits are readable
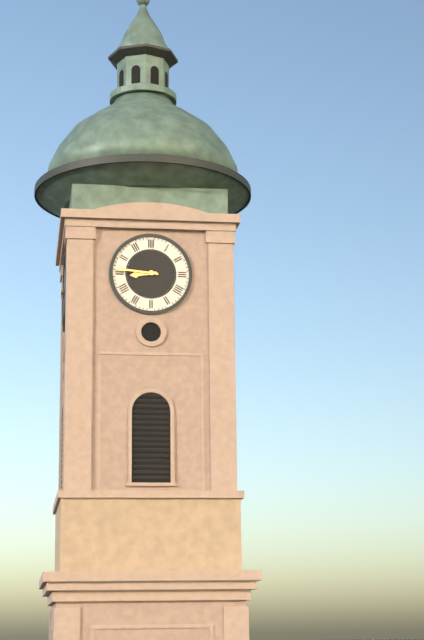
8:46
